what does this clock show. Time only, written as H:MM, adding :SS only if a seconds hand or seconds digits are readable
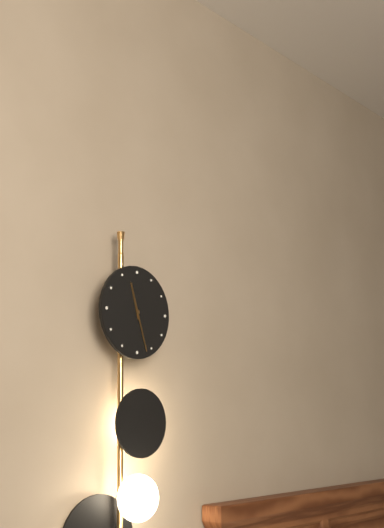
11:27
